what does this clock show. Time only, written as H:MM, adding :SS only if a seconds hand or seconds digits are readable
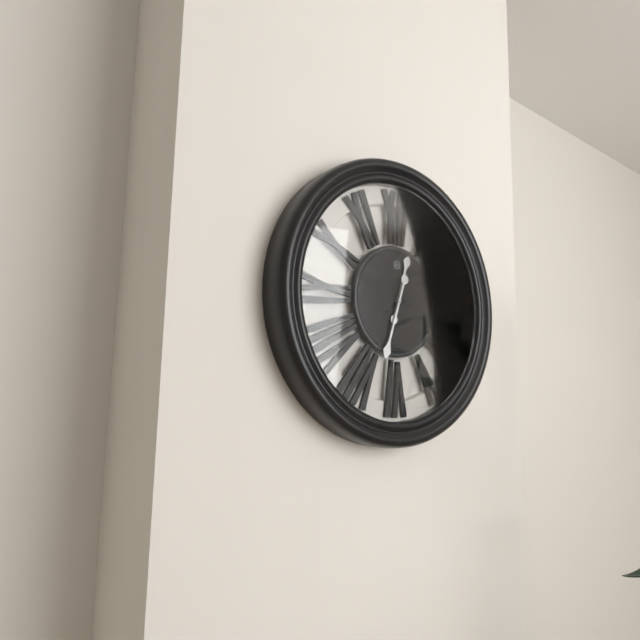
12:33
